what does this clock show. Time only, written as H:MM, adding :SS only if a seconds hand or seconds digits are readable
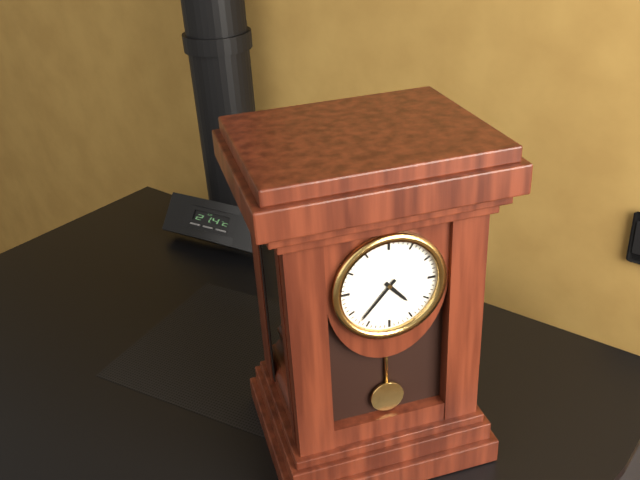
4:37
